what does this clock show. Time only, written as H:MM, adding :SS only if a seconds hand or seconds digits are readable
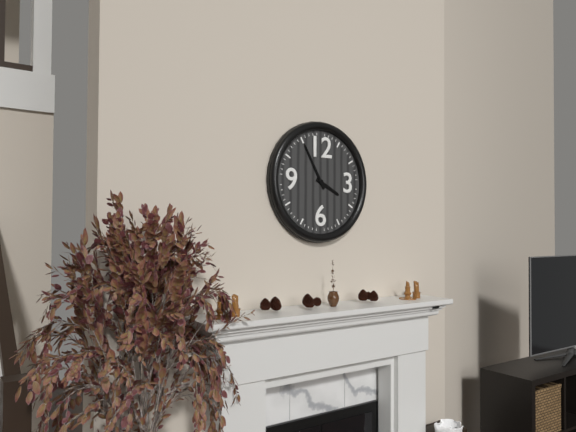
3:55
